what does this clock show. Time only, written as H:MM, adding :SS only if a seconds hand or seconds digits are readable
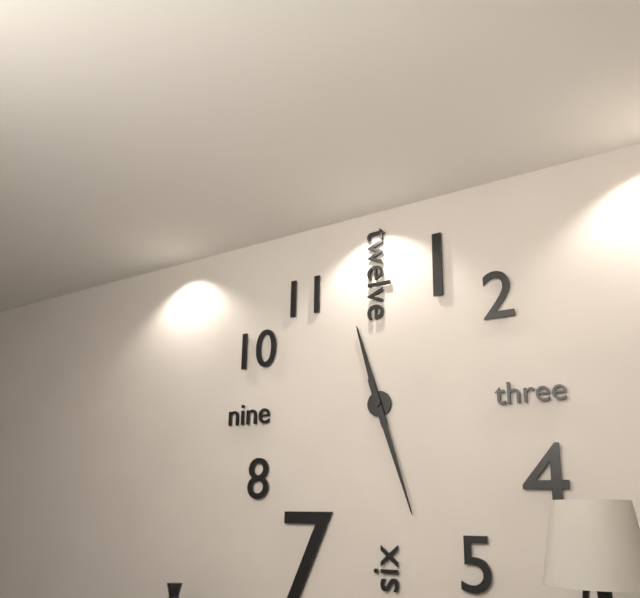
11:27
